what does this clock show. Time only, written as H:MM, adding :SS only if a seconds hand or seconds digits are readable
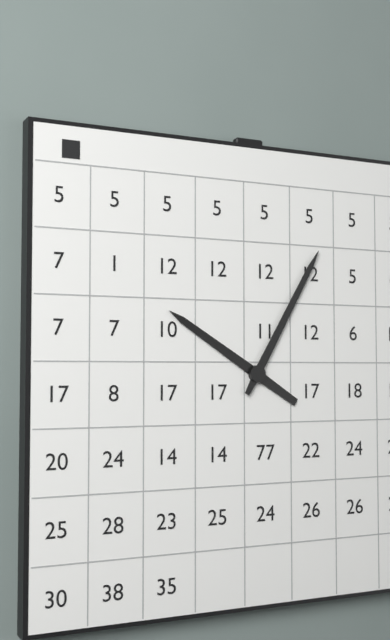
10:05
